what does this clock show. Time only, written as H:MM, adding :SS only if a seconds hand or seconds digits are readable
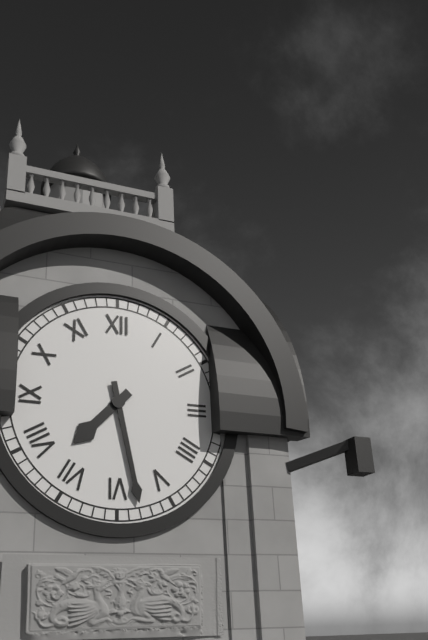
7:28
